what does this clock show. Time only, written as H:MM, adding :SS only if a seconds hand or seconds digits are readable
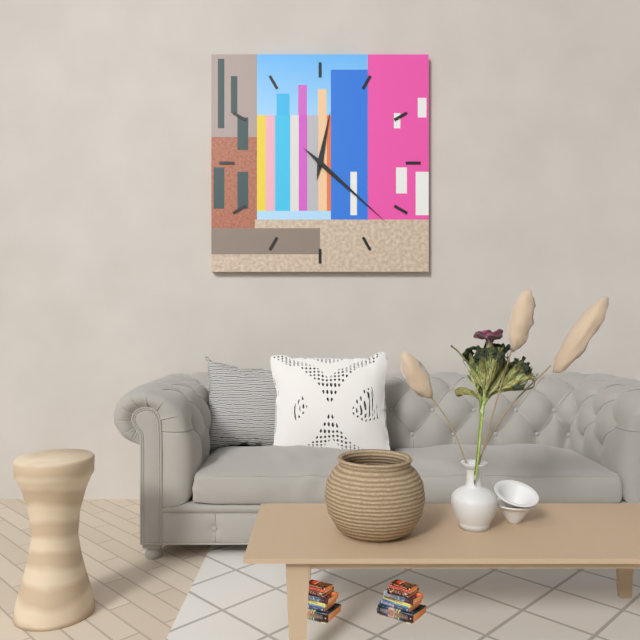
12:22
